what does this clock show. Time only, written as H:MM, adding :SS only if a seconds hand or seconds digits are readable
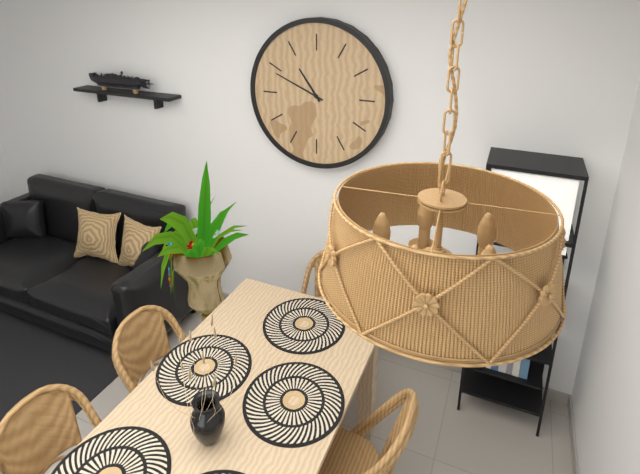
10:49
